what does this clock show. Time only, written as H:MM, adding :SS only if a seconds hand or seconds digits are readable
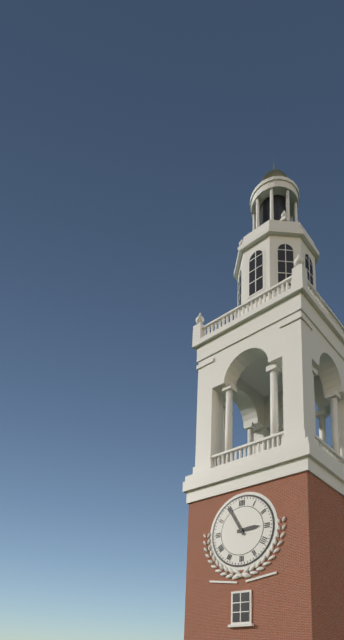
2:55
